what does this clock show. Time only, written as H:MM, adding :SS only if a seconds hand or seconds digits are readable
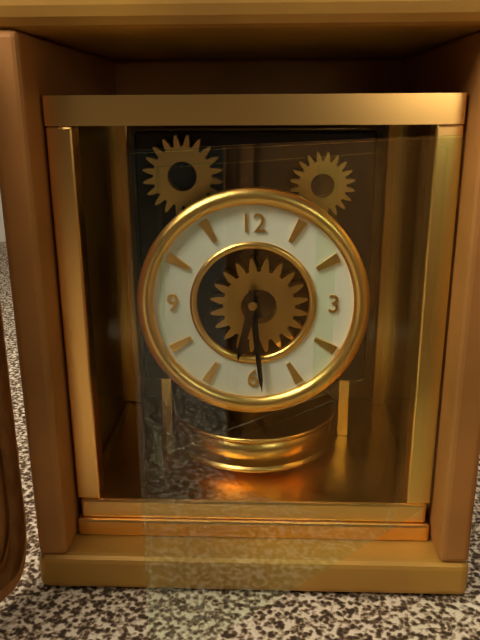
6:29
